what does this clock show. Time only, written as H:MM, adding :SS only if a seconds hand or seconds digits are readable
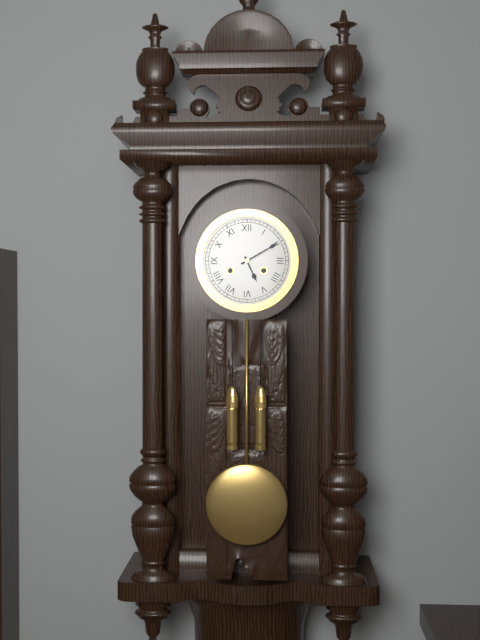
5:10
